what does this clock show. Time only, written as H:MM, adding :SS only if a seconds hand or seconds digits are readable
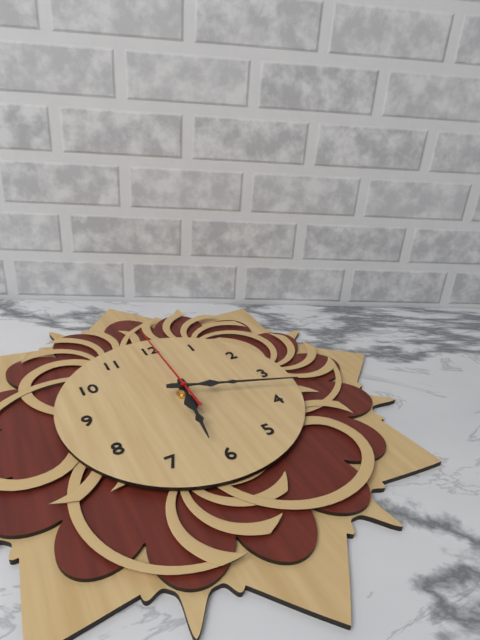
6:18:00
